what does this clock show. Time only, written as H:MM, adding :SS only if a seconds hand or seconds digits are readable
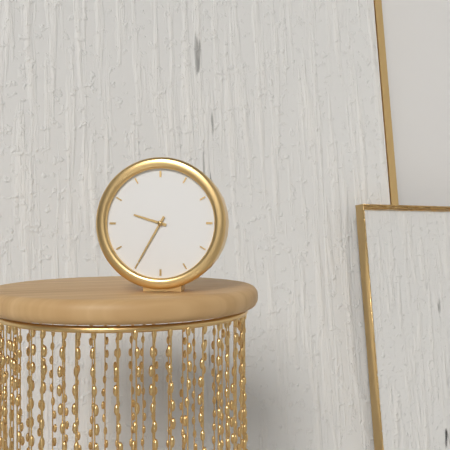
9:35
